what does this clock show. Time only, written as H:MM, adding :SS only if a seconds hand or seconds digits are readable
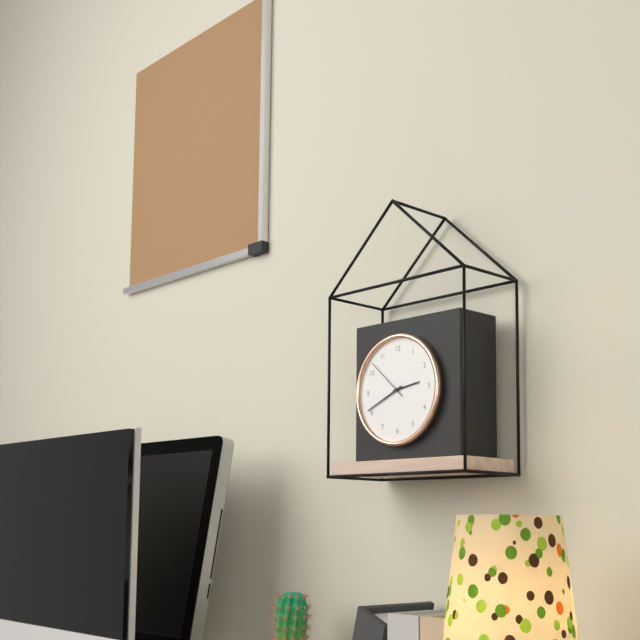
2:41
